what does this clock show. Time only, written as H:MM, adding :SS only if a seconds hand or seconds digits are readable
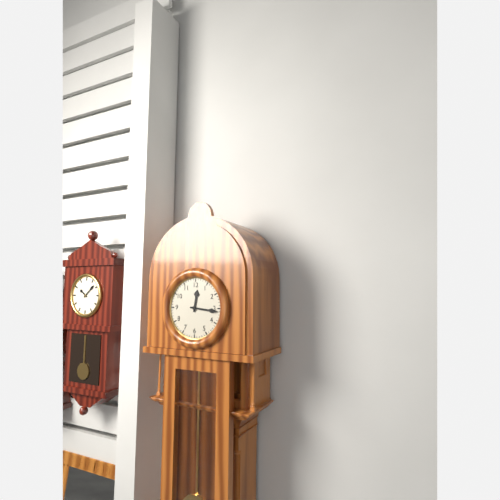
12:16
